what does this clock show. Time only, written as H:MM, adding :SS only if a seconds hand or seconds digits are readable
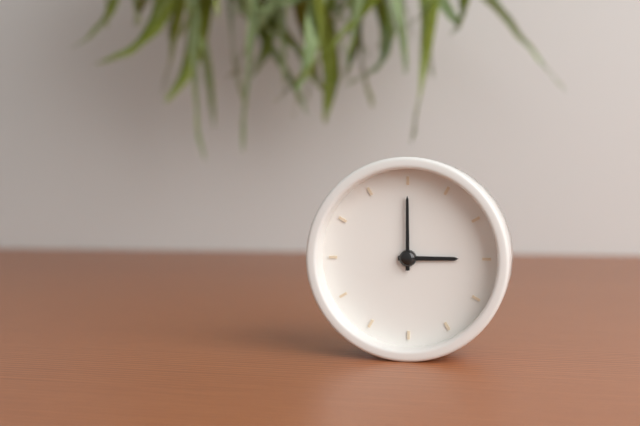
3:00
